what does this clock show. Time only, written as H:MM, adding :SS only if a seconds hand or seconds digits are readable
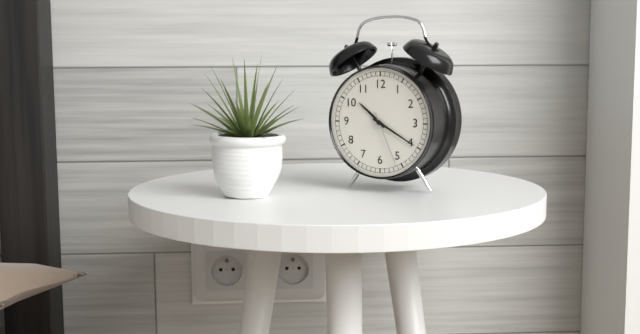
10:20:26
